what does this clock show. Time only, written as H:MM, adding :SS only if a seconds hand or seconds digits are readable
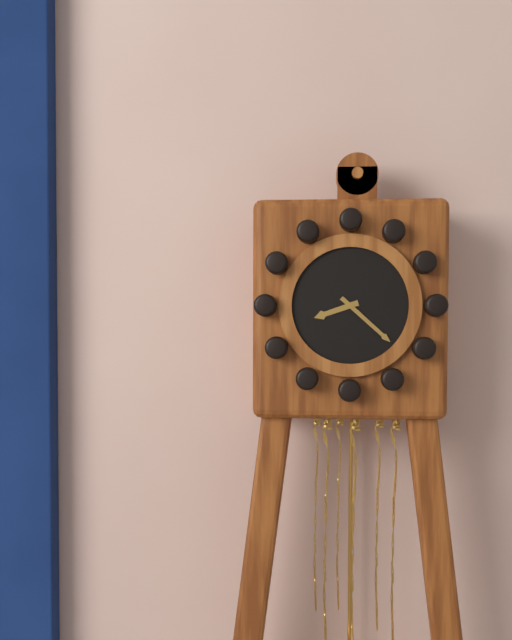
8:22
